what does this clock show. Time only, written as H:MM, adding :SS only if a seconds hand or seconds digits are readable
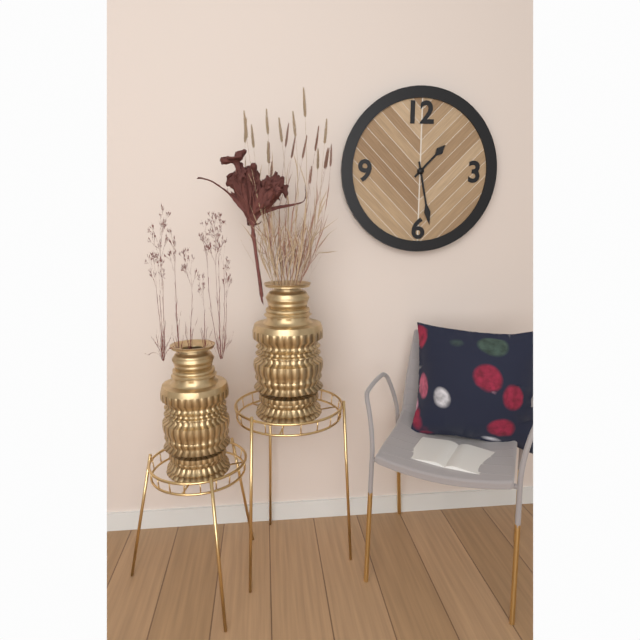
1:28
